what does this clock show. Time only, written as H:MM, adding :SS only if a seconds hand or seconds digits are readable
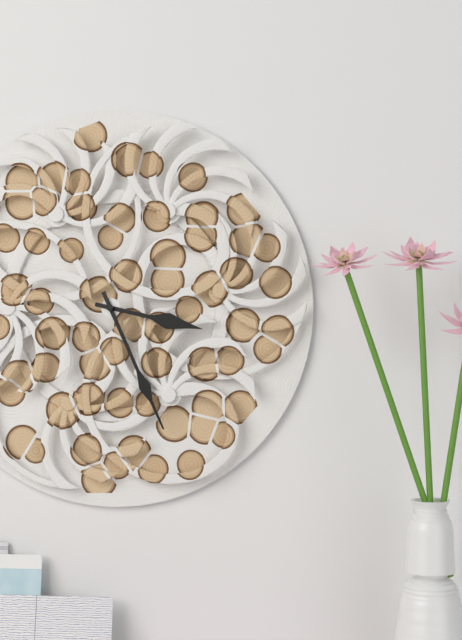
3:26
